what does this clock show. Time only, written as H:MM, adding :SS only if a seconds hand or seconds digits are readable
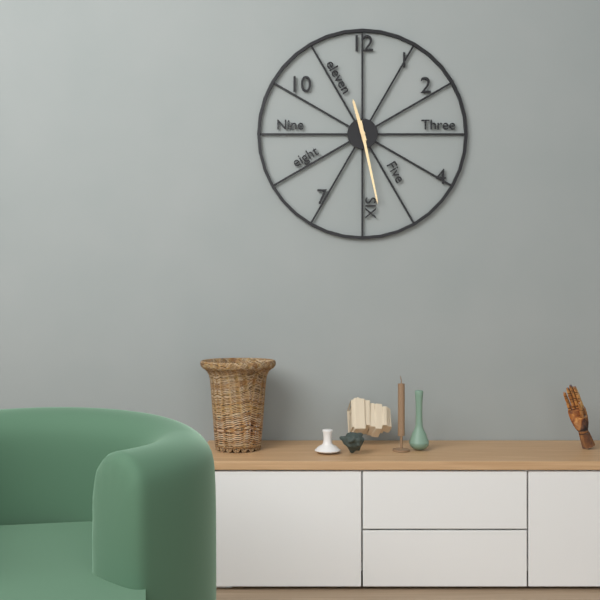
11:28
